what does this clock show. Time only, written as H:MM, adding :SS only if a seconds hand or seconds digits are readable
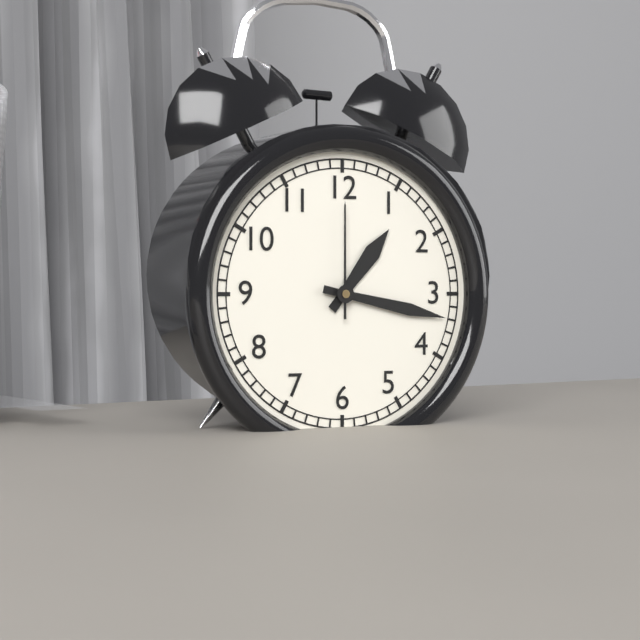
1:17:00
